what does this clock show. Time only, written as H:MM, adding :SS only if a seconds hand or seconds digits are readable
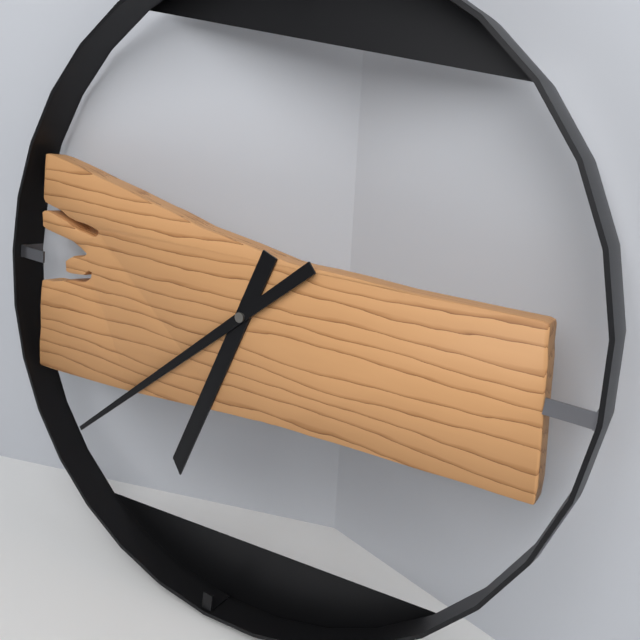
6:38
